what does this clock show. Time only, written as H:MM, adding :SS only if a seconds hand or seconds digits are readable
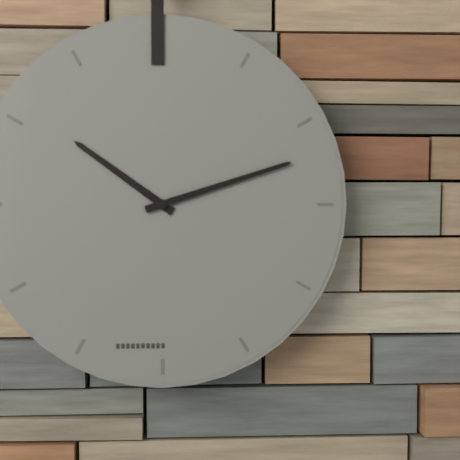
10:12
